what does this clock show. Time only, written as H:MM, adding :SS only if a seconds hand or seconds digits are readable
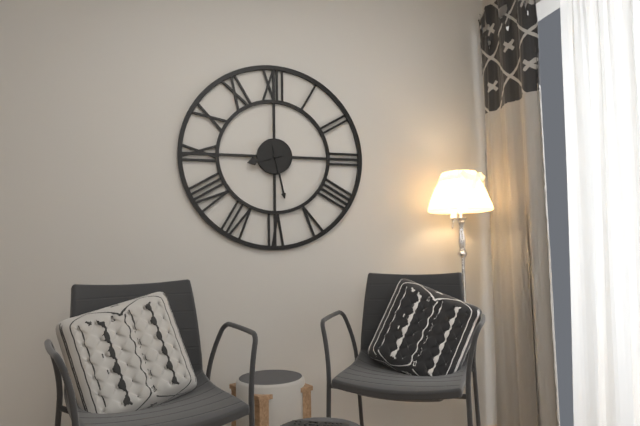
8:28
